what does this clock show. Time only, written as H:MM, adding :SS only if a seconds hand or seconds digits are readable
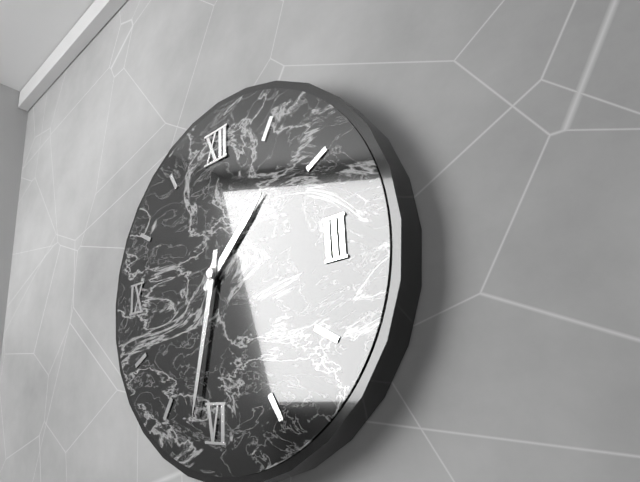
1:32
